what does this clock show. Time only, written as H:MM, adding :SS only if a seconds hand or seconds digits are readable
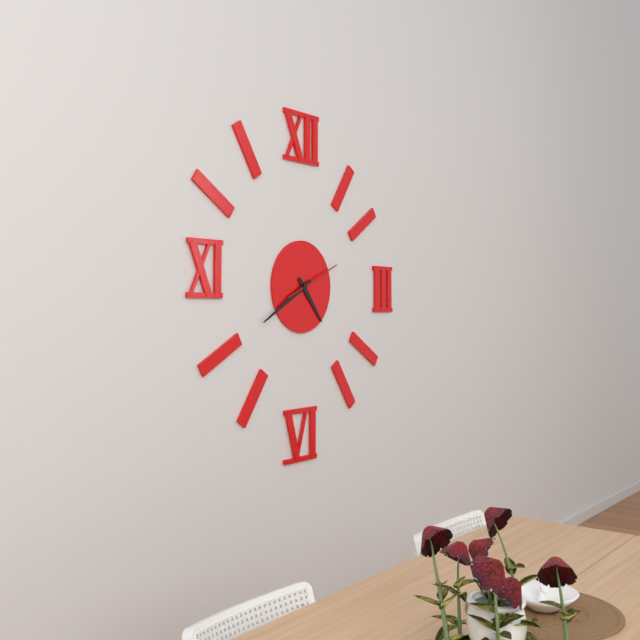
4:40:11
